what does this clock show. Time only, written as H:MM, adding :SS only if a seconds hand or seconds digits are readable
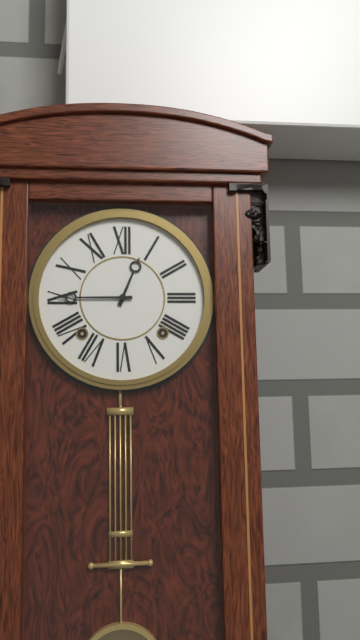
12:45
